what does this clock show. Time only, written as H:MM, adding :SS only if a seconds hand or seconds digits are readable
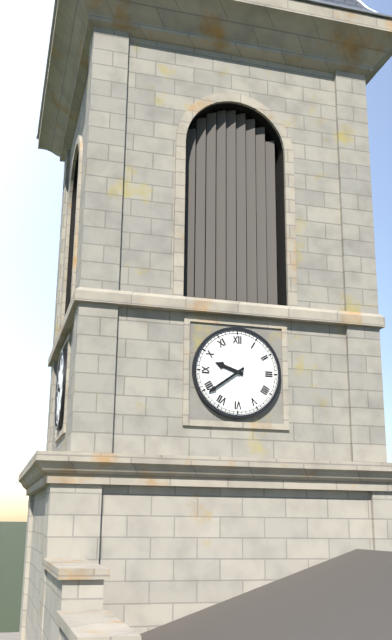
9:39
